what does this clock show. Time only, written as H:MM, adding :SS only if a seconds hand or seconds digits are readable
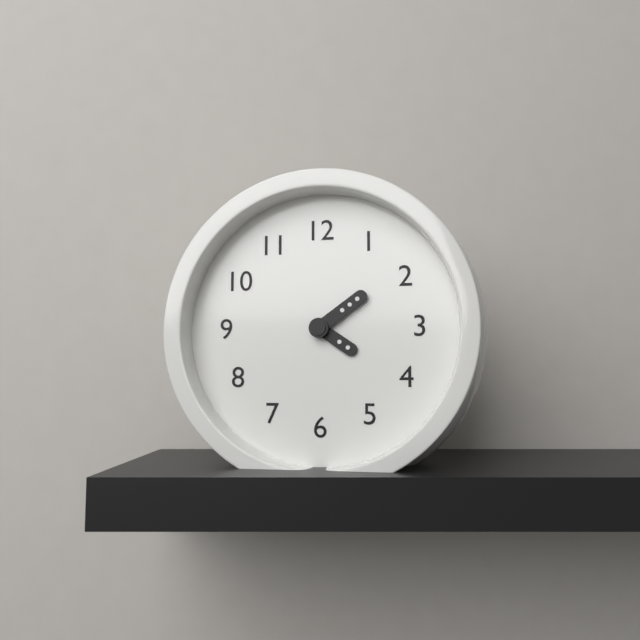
4:09
